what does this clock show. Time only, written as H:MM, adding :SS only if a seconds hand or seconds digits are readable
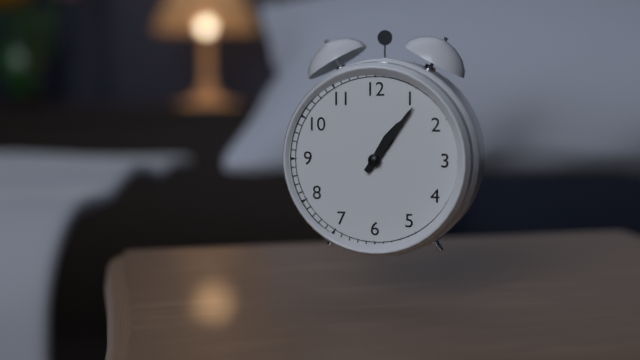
1:06
